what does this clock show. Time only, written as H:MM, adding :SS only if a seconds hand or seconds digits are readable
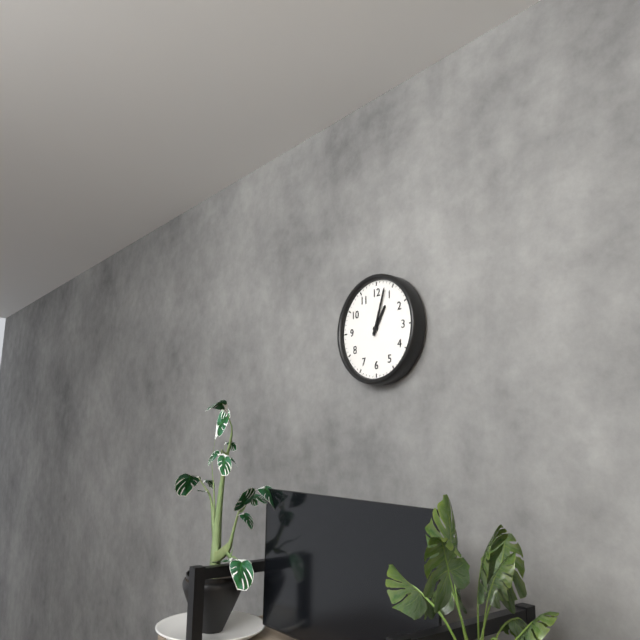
1:03
